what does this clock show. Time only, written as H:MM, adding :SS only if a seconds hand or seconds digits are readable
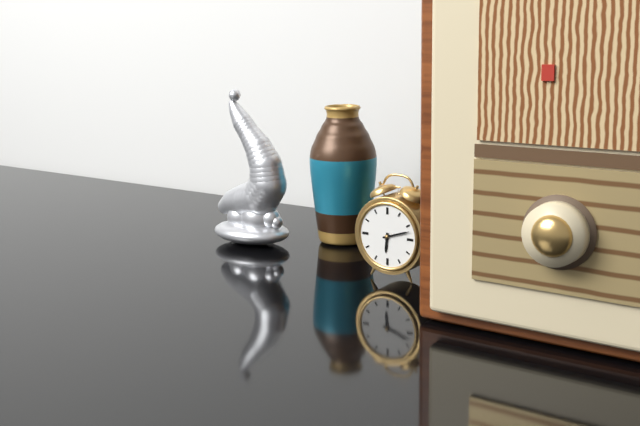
6:12
